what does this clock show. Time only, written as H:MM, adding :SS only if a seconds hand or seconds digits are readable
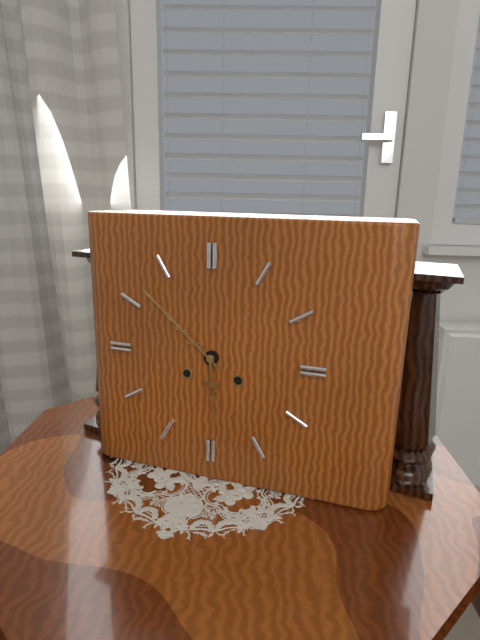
5:52
